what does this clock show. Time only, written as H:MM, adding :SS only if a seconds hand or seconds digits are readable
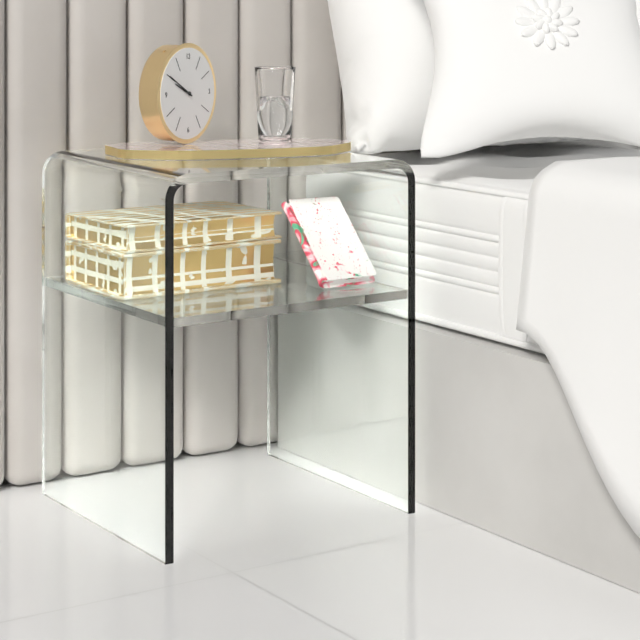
9:50
